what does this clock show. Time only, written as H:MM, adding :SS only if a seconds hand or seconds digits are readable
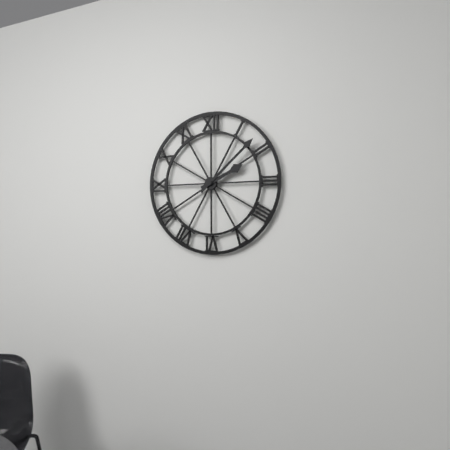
2:08
